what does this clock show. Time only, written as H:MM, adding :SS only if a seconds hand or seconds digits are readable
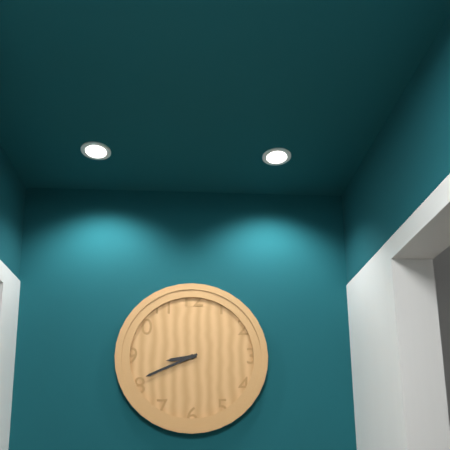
8:41
